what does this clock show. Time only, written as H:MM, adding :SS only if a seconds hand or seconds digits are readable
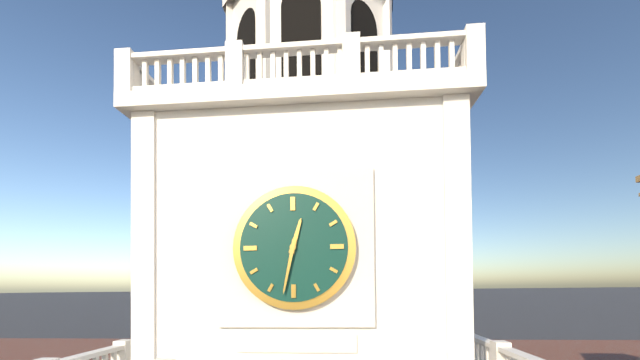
12:32
